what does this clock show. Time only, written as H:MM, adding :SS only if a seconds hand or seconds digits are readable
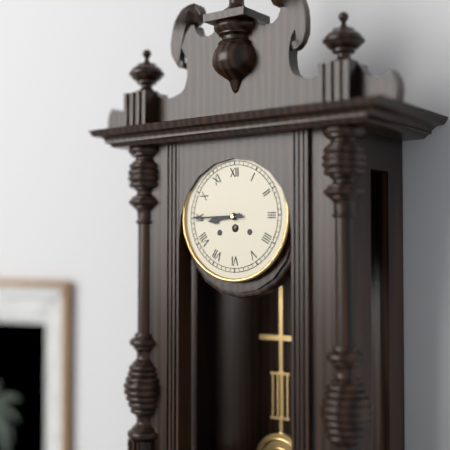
8:45
